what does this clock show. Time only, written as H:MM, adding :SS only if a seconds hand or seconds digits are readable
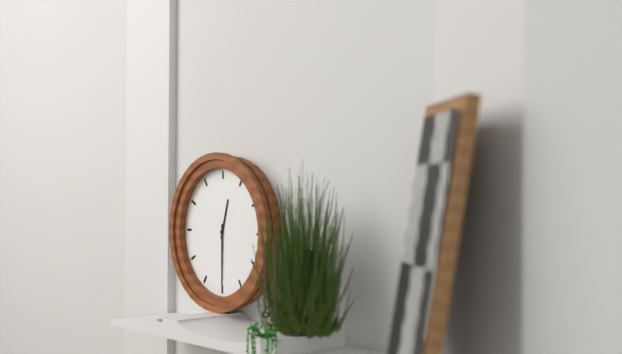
12:30
